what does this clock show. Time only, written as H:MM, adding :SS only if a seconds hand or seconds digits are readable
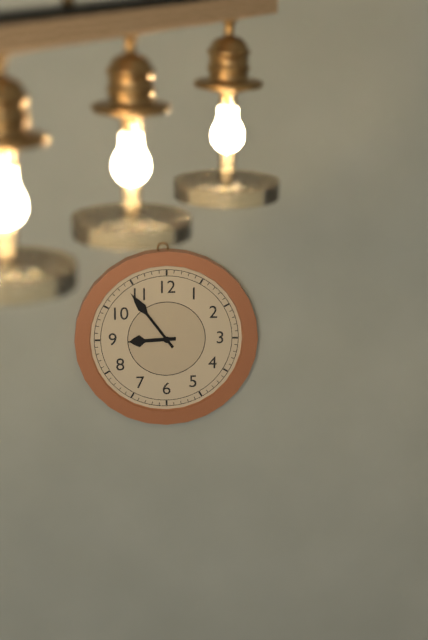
8:54
